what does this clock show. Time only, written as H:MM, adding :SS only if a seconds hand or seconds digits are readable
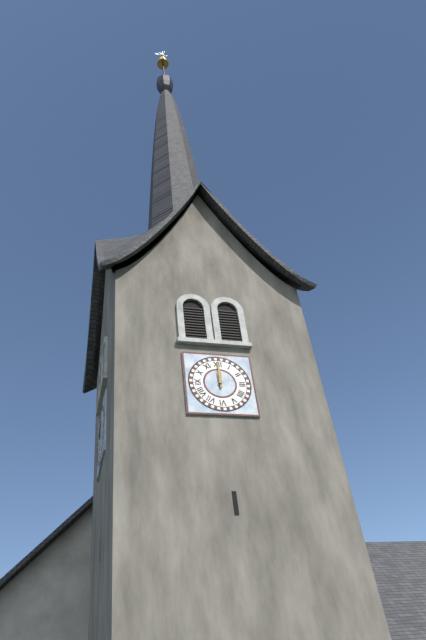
12:00
